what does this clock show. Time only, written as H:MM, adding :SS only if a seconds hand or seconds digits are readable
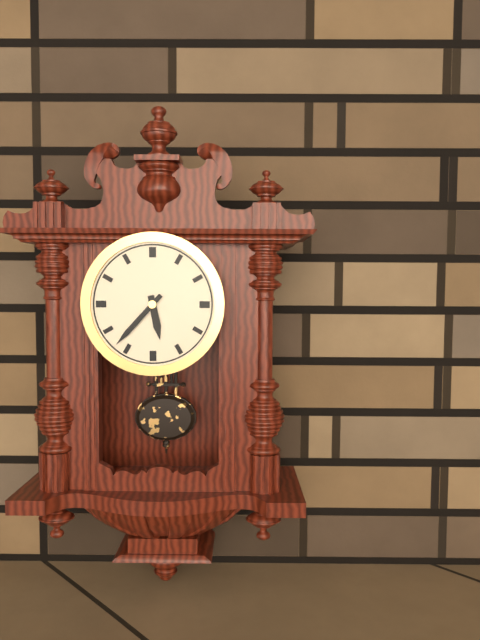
5:37
